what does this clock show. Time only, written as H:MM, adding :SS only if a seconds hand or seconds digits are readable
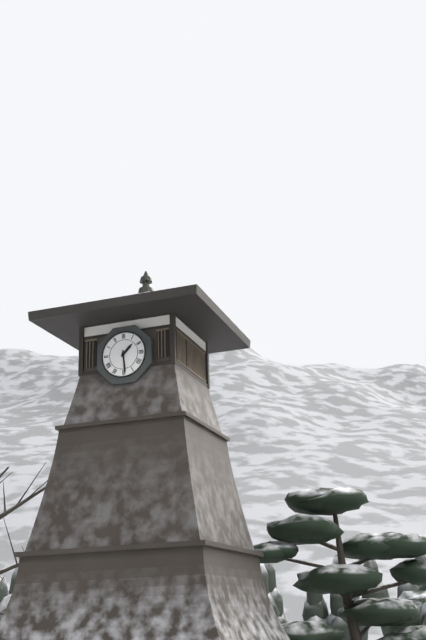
1:29
